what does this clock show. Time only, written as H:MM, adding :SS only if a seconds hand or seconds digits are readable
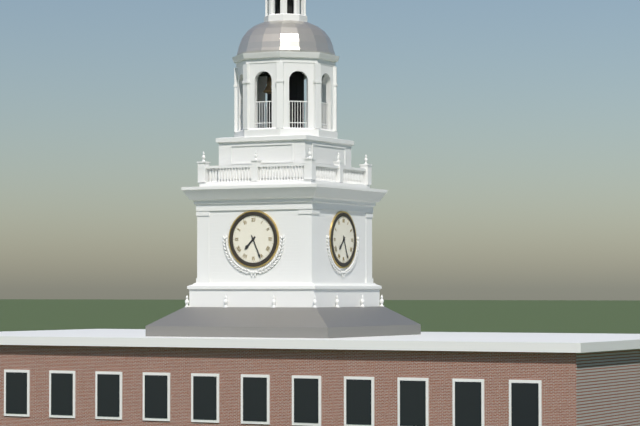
7:26
